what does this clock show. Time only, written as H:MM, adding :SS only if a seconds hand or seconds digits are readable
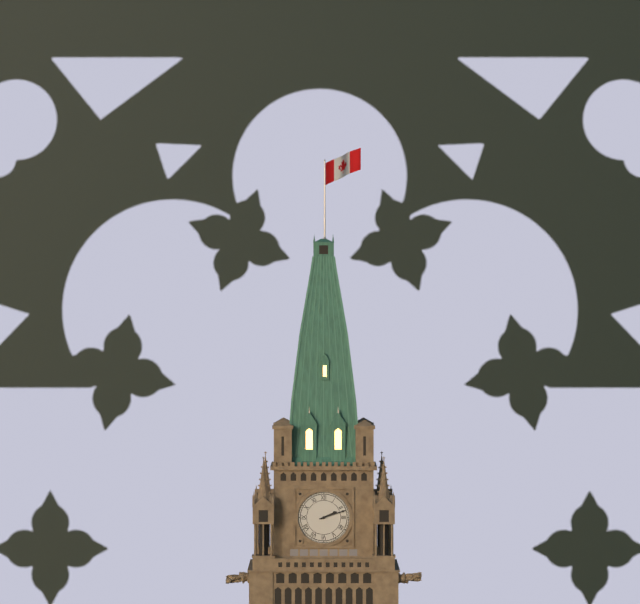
2:12
